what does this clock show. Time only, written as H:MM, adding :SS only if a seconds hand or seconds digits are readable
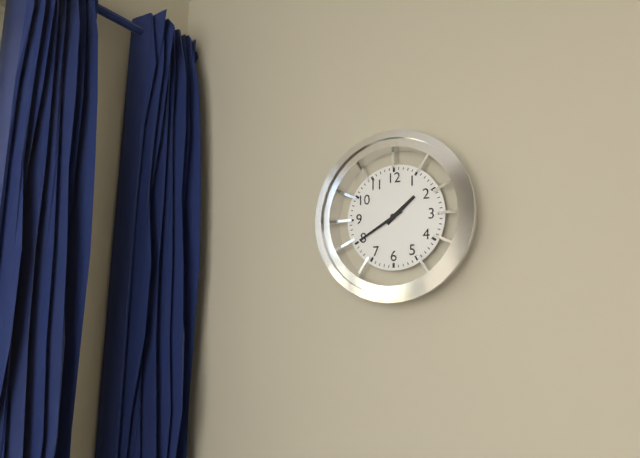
1:40
